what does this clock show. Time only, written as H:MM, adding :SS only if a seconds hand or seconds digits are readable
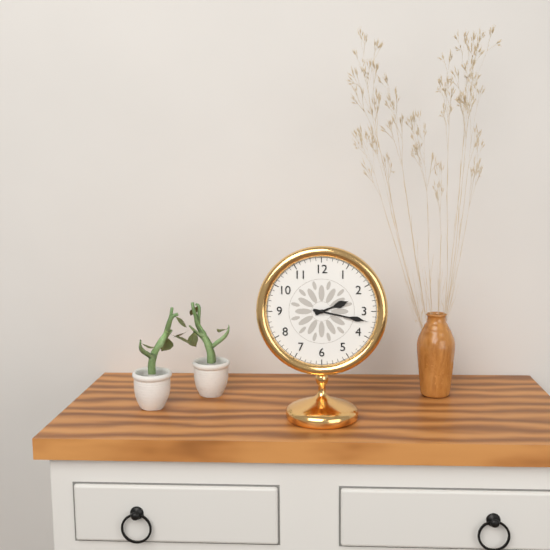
2:17
